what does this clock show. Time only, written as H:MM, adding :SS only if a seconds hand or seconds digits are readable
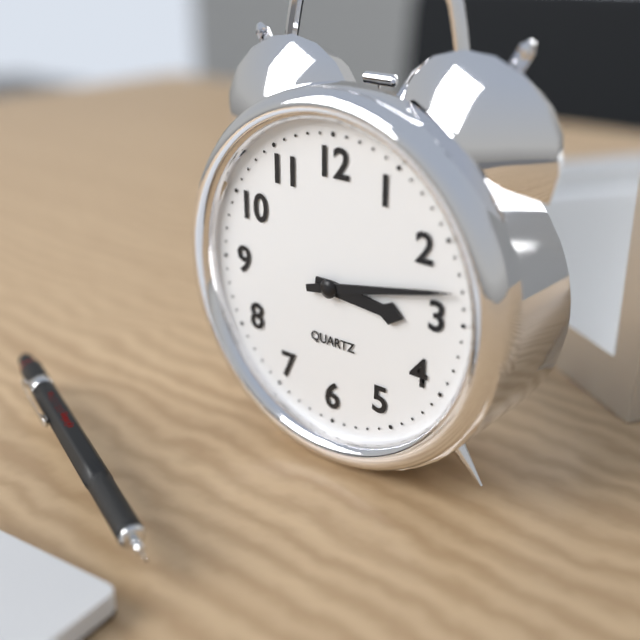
3:13
